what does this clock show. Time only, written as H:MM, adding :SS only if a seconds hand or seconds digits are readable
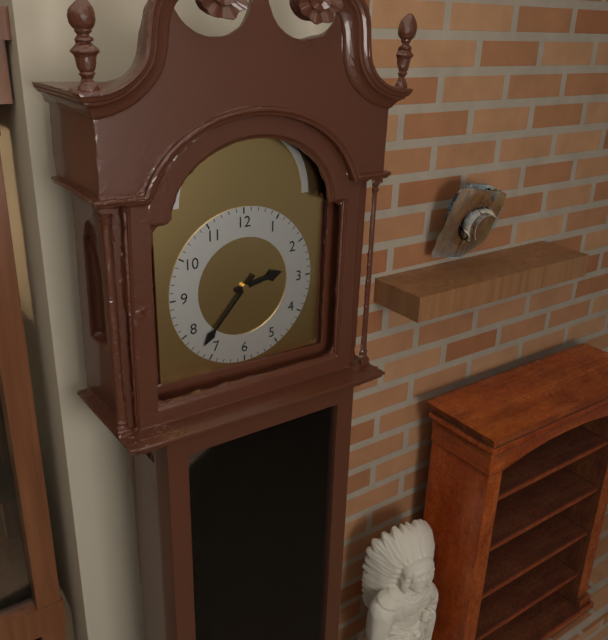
2:37
